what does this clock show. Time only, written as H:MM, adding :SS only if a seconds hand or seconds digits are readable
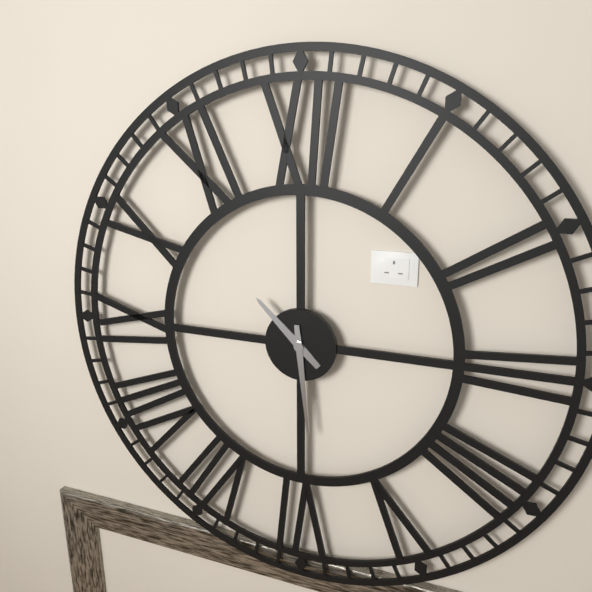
10:29
